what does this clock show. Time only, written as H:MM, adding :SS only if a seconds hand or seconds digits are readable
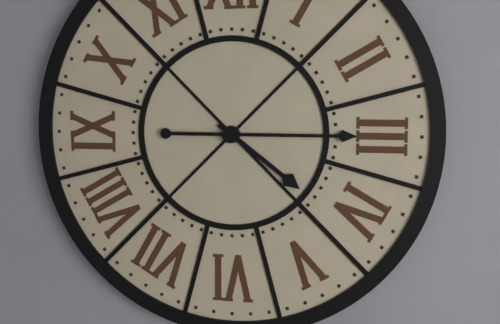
4:15
